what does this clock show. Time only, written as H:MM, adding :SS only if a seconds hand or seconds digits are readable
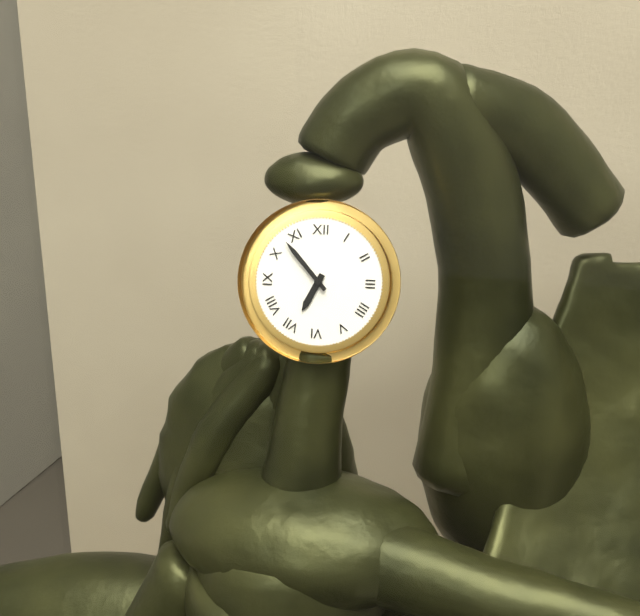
6:53
